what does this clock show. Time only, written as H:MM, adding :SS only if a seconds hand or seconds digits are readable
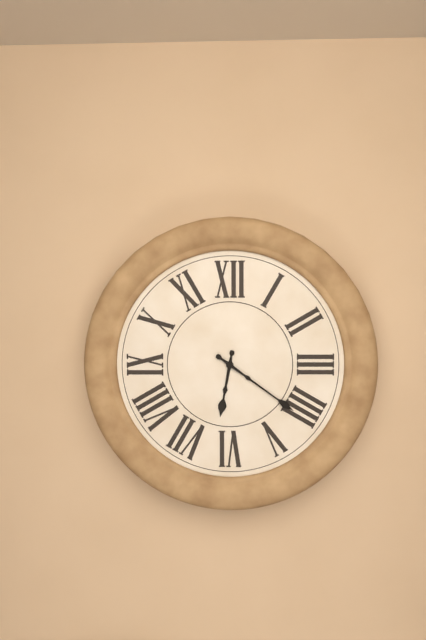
6:21
